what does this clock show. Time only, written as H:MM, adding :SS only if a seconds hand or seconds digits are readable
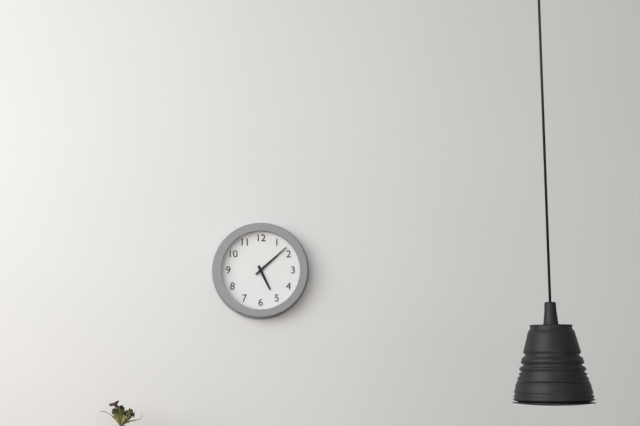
5:08
